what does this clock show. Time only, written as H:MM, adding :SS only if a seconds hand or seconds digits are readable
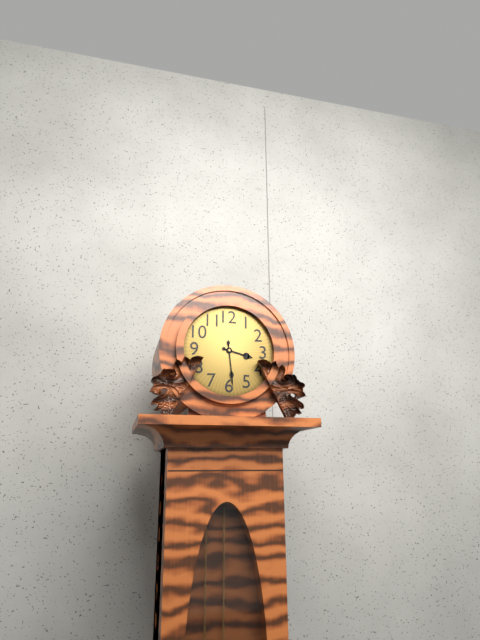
3:29
